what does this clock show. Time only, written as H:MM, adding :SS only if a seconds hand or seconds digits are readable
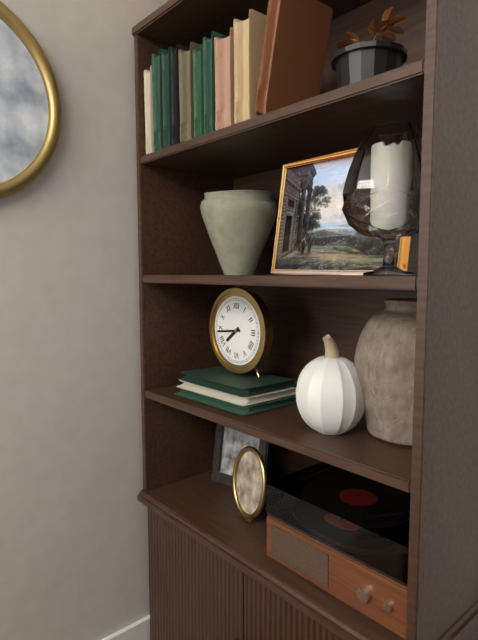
7:44
